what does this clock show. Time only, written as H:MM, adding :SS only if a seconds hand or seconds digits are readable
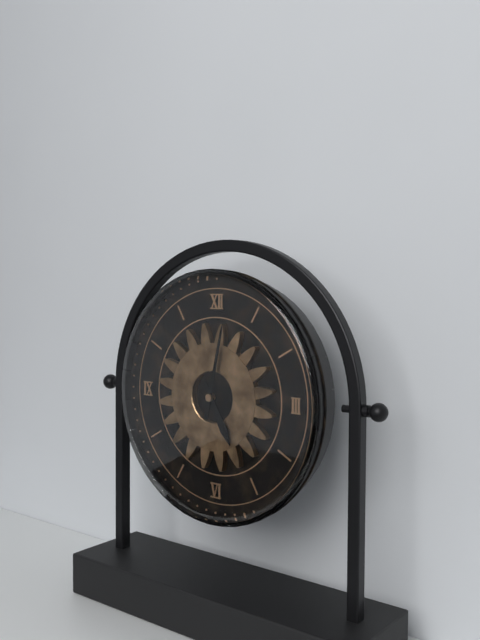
5:02
